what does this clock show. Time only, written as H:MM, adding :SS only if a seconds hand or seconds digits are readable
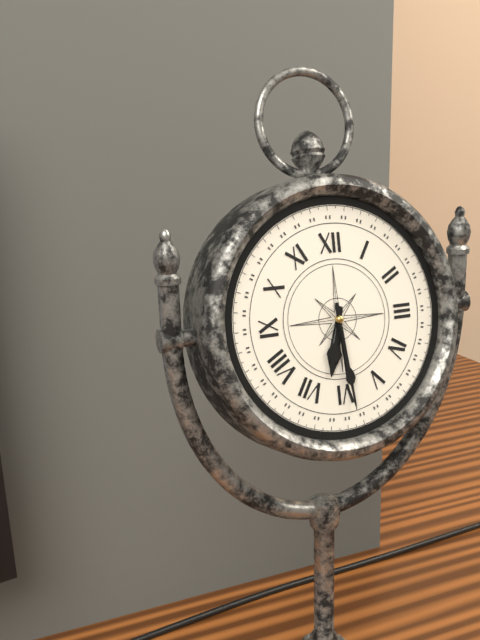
6:29
